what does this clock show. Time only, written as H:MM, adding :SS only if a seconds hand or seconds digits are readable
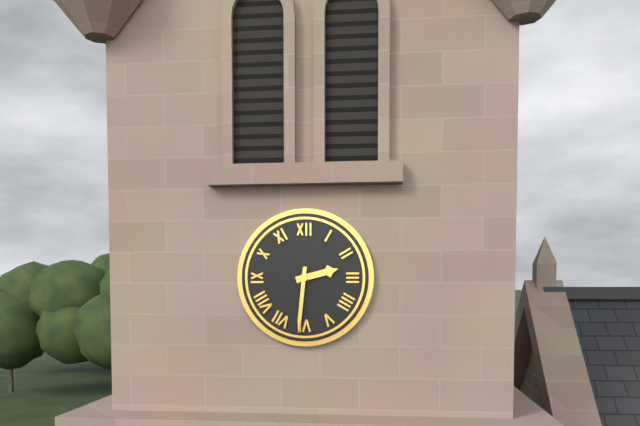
2:31
